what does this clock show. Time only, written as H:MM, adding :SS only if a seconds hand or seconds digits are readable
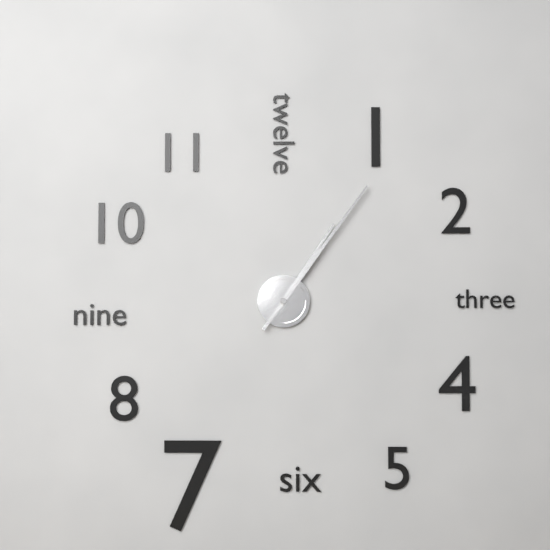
1:06
